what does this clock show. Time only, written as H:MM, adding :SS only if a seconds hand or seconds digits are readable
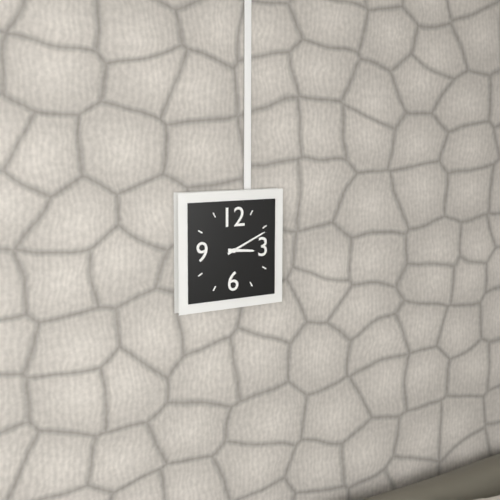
3:11
